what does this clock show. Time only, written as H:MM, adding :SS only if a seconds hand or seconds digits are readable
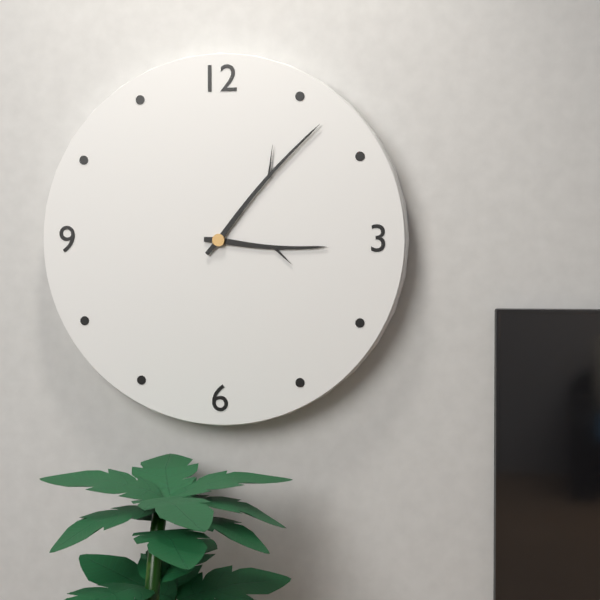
3:07
